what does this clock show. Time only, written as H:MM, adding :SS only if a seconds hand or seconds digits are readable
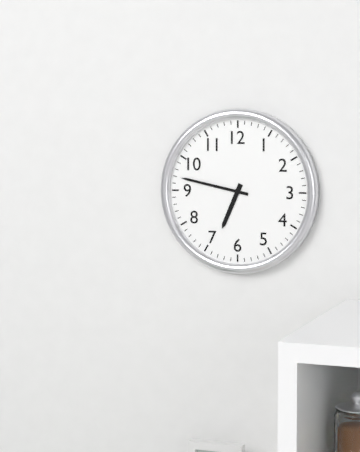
6:47
